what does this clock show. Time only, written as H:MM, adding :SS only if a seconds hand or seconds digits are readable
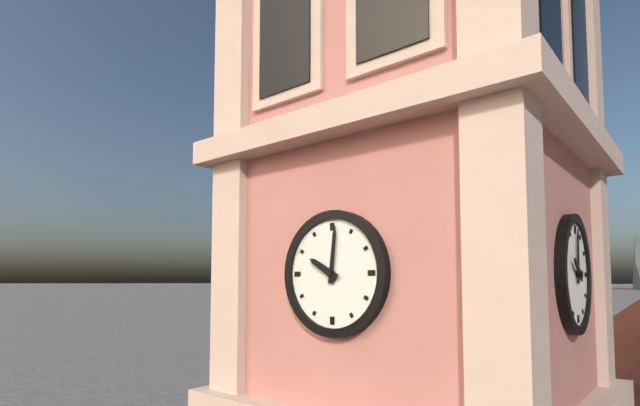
10:01
